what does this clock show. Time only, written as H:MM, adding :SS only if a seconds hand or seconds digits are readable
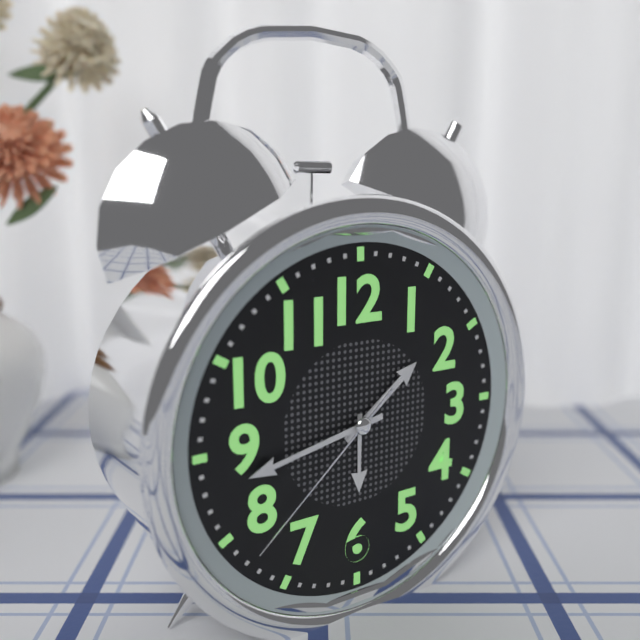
1:43:38
